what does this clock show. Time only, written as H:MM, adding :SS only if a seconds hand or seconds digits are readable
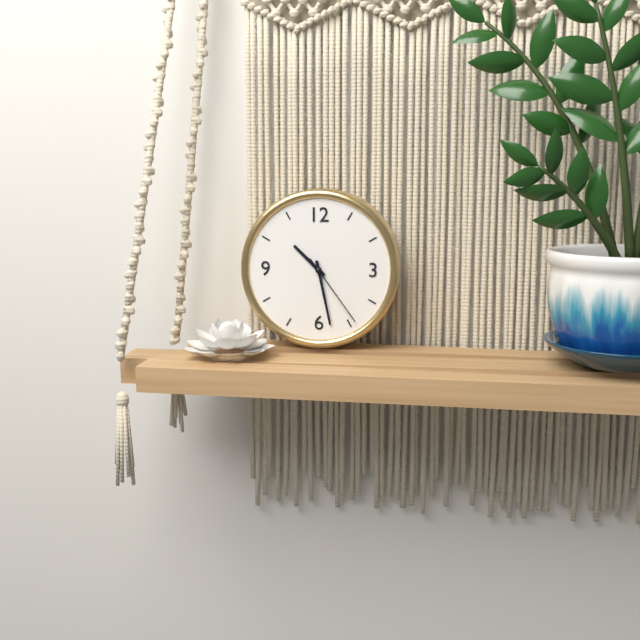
10:28:24
